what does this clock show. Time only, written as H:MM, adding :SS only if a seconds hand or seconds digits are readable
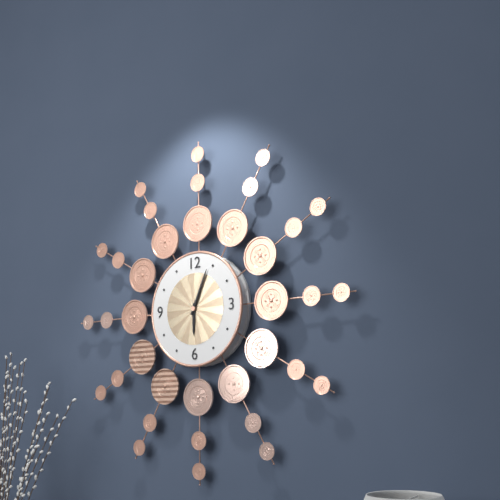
6:04
